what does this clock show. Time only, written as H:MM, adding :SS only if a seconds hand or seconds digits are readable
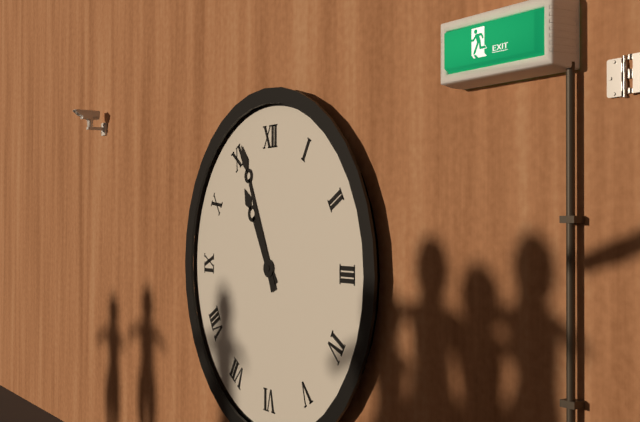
10:56
